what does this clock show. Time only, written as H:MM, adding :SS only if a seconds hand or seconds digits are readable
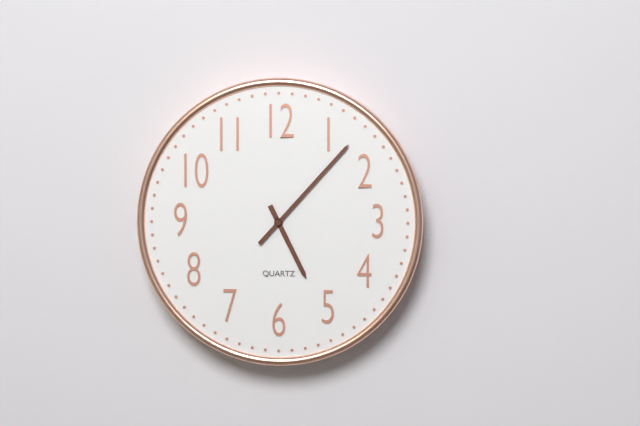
5:07
